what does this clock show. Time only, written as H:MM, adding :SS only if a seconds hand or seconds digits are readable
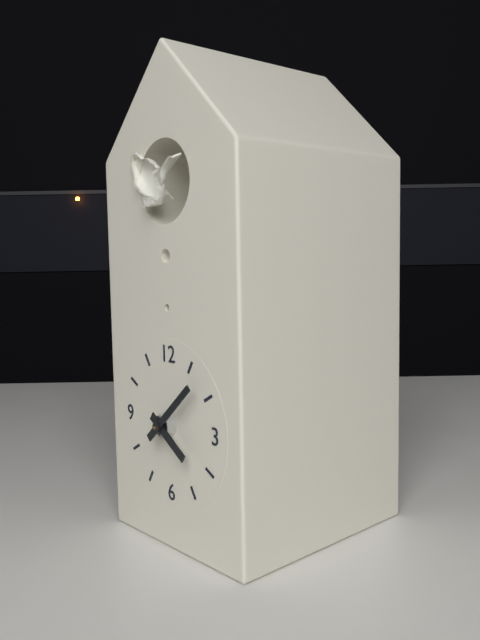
4:08
